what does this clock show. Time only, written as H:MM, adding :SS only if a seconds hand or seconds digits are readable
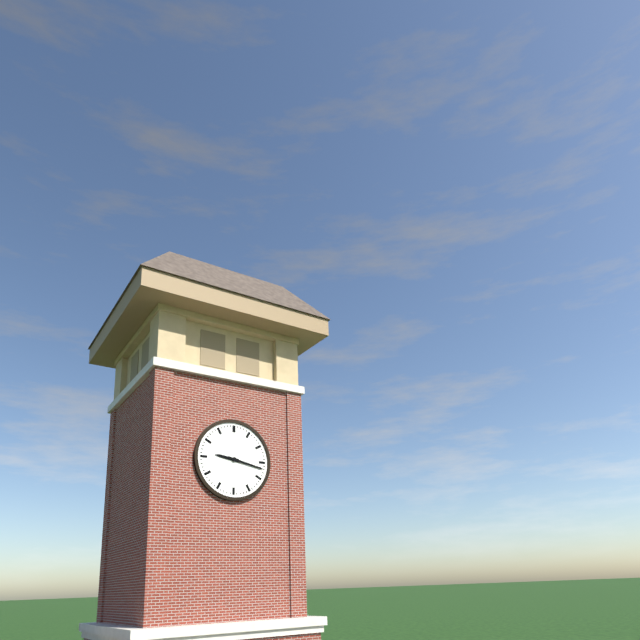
9:17
